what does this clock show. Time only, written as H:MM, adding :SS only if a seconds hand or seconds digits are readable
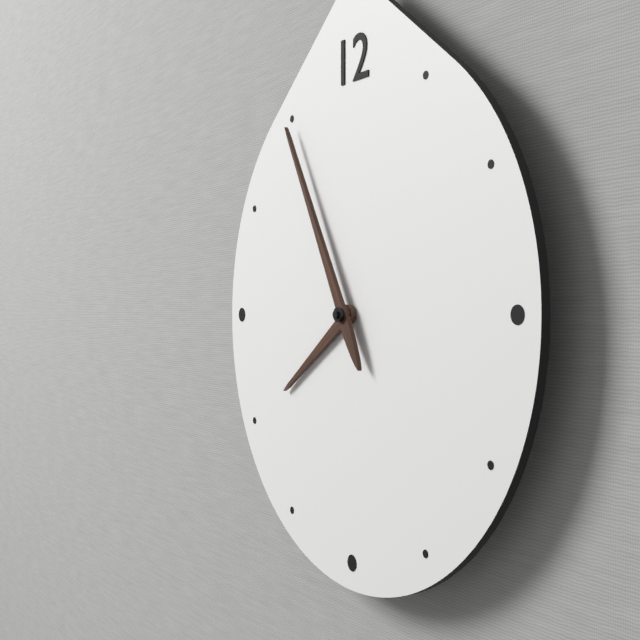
7:55
